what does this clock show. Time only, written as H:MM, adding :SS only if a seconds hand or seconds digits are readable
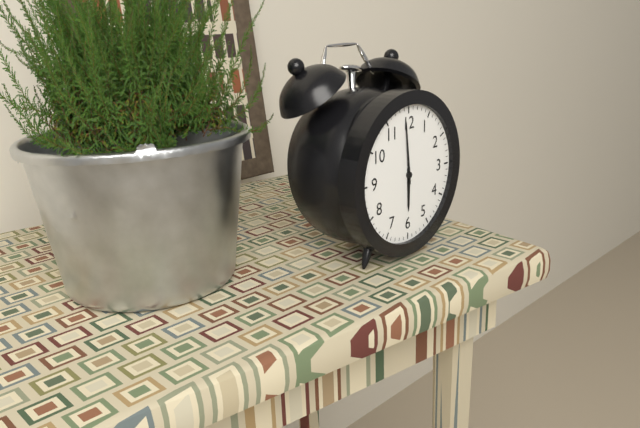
5:59
